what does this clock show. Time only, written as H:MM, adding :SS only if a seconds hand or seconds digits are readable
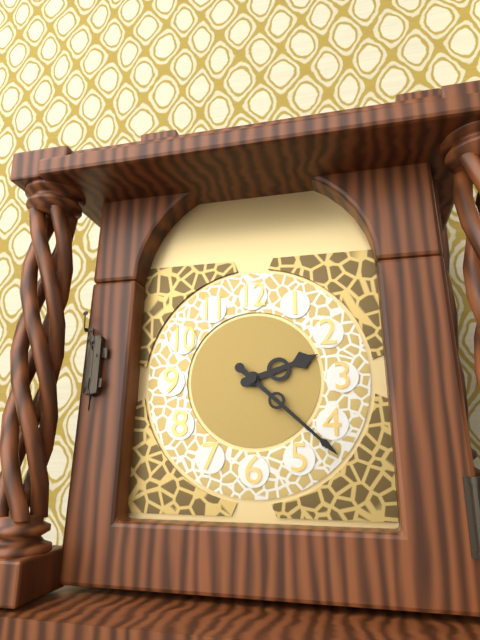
2:22
